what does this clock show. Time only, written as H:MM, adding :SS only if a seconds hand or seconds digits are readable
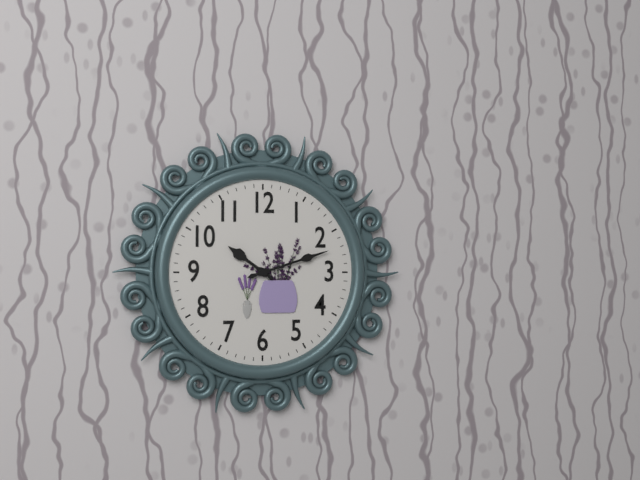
10:12
